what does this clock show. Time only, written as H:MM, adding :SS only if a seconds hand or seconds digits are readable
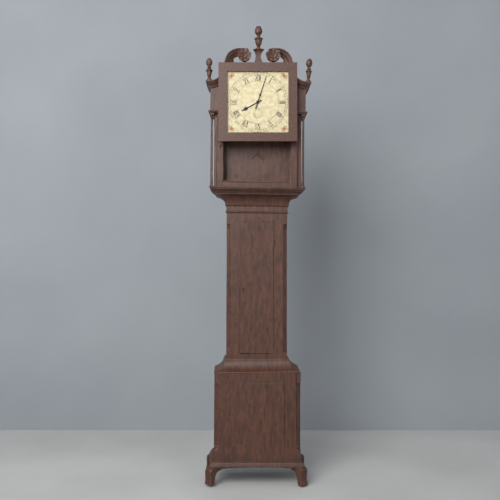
8:03
